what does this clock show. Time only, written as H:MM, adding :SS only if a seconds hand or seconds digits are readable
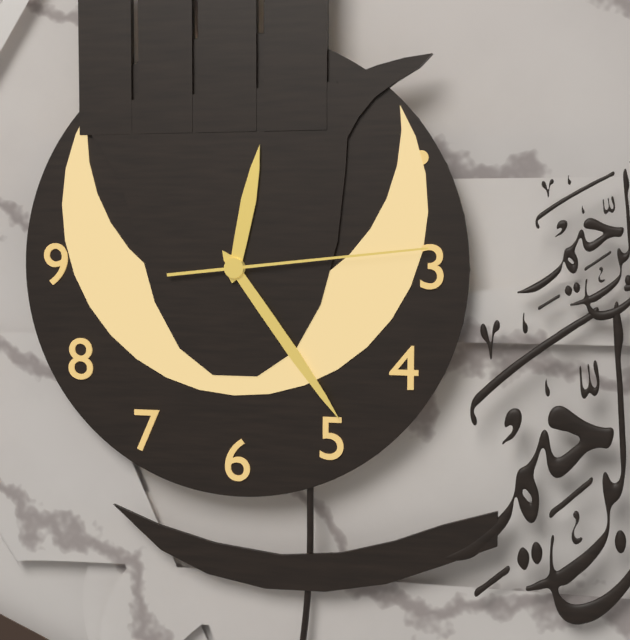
12:24:14
